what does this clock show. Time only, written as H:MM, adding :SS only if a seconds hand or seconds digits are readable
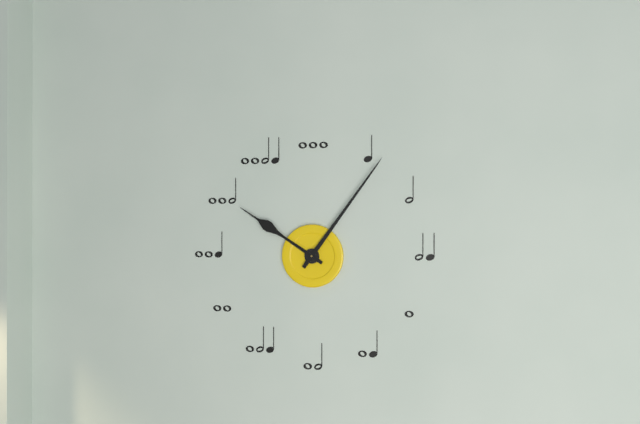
10:06
